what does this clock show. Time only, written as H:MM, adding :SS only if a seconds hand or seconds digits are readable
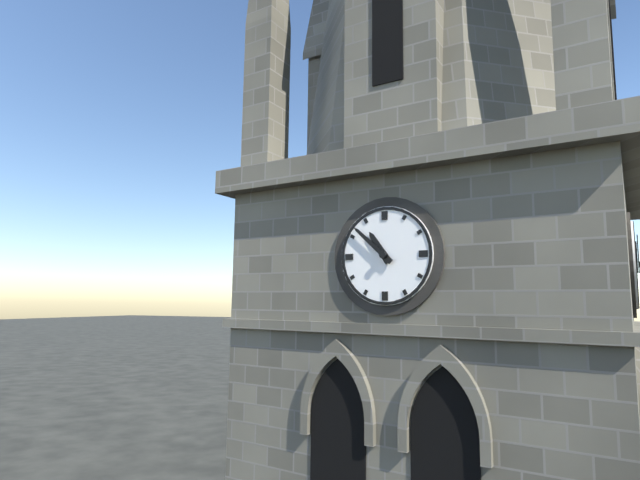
10:52
